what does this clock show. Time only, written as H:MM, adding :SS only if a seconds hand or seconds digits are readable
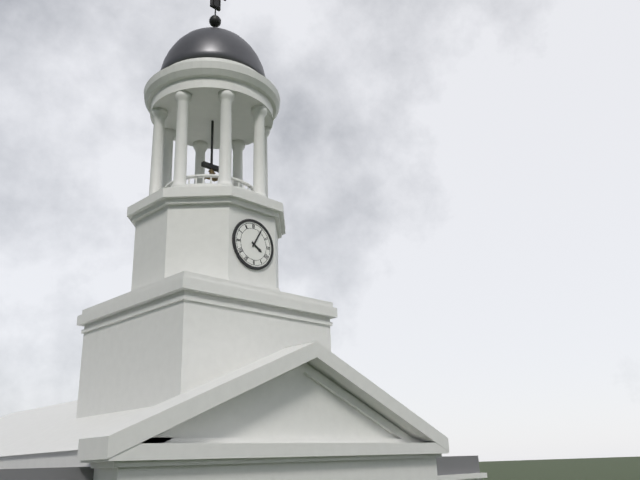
4:05
